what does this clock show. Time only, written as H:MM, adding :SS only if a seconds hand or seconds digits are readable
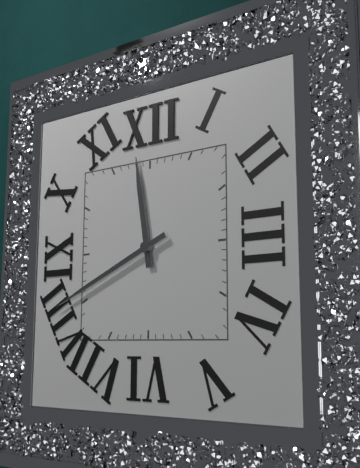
11:41
